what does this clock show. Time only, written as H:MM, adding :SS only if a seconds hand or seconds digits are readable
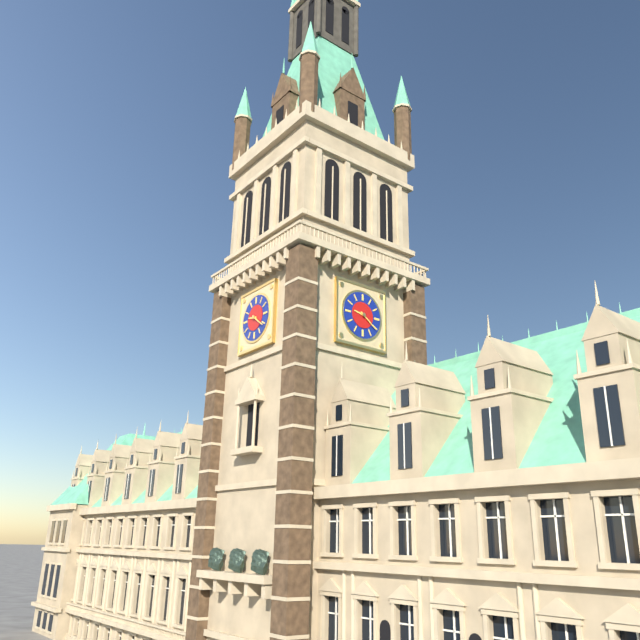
9:21
